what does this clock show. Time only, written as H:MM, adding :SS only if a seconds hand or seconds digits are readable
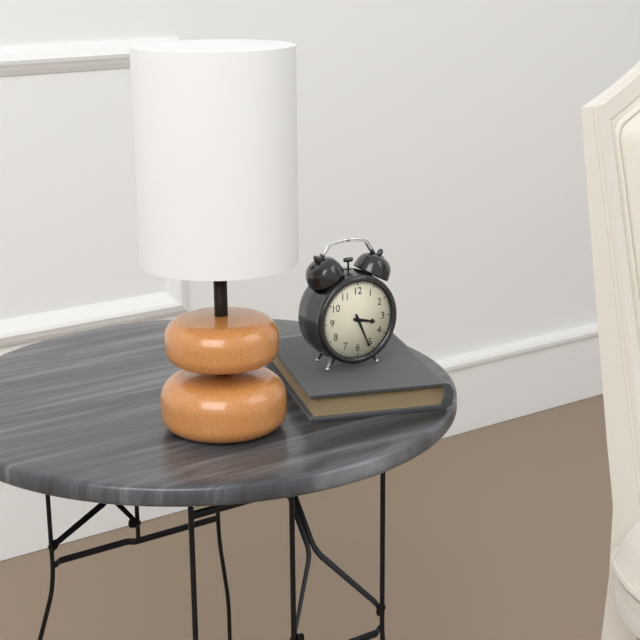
3:26
